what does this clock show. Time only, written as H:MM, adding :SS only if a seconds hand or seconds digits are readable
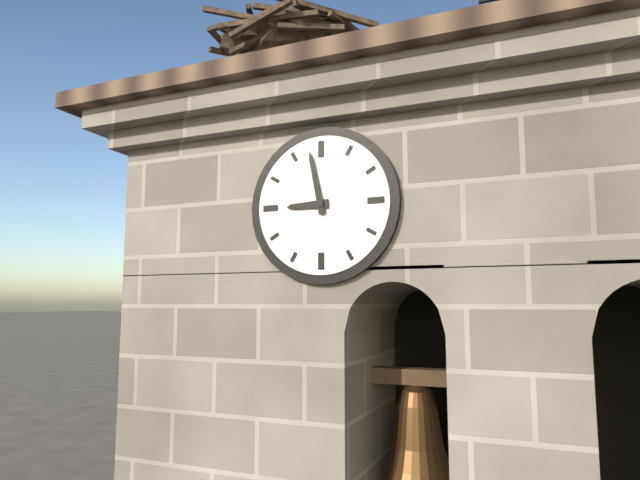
8:58
